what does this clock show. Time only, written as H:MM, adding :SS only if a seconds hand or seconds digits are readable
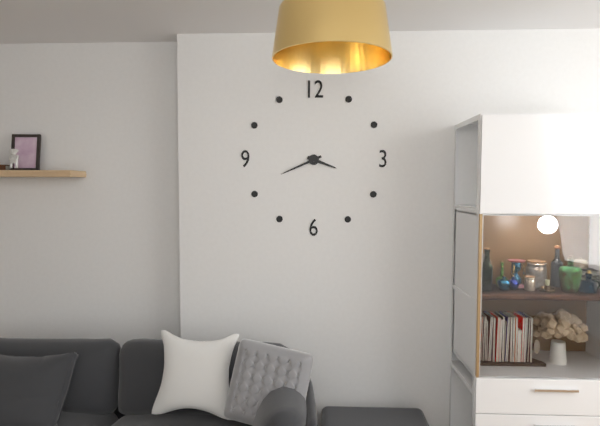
3:41
